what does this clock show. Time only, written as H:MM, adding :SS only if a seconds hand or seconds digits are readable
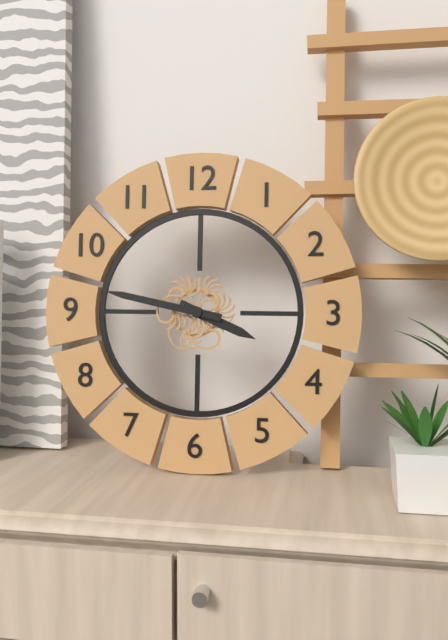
3:47
